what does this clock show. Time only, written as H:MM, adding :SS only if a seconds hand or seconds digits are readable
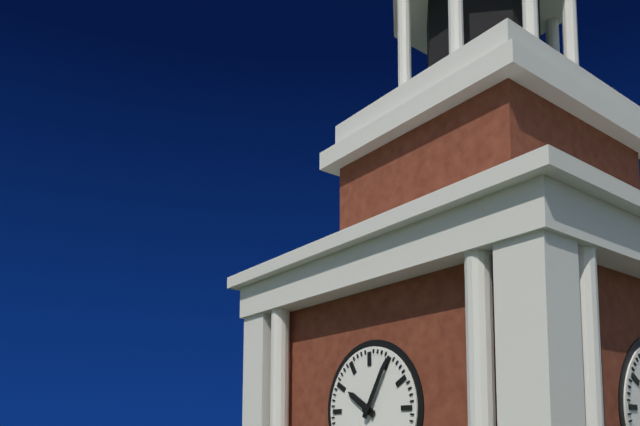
10:05
